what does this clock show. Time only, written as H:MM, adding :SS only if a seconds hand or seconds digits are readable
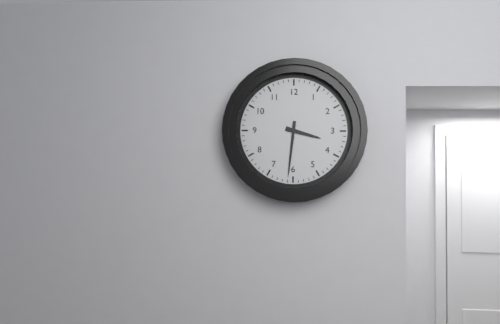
3:31
